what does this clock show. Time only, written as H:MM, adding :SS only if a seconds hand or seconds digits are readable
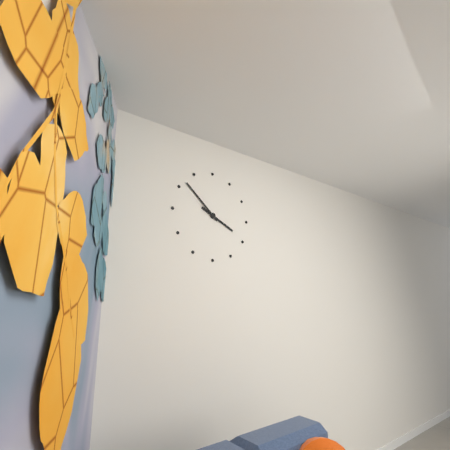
3:52
